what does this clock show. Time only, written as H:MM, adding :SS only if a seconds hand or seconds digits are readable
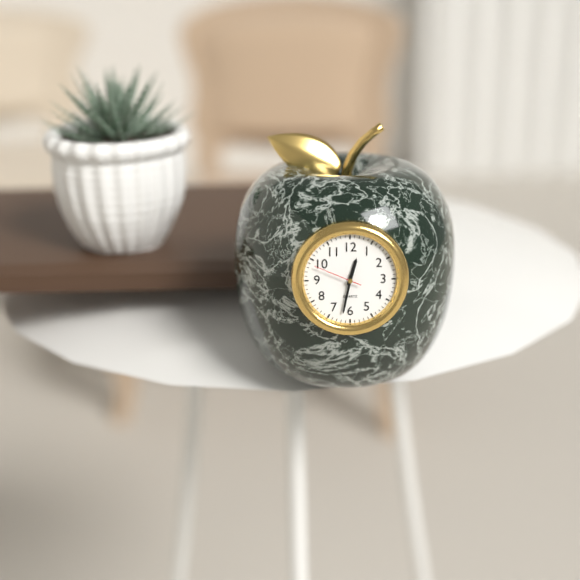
12:32
